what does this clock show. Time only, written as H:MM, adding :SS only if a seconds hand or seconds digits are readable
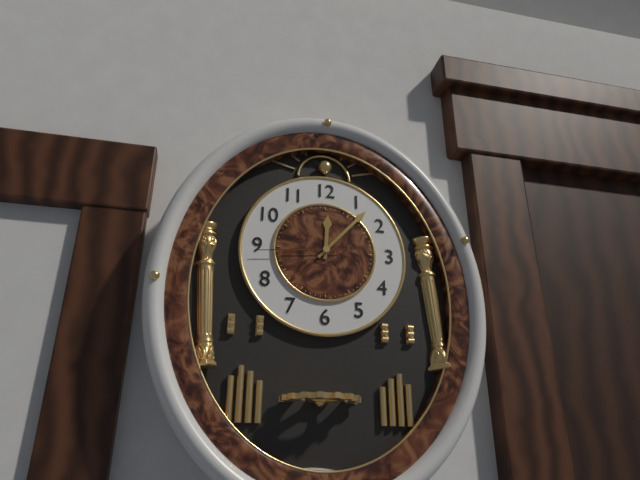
12:07:44
